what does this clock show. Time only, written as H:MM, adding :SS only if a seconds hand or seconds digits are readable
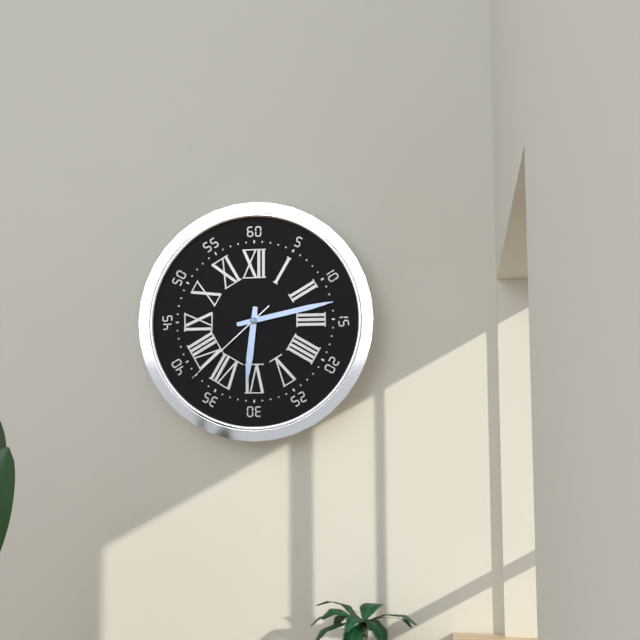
6:13:38
